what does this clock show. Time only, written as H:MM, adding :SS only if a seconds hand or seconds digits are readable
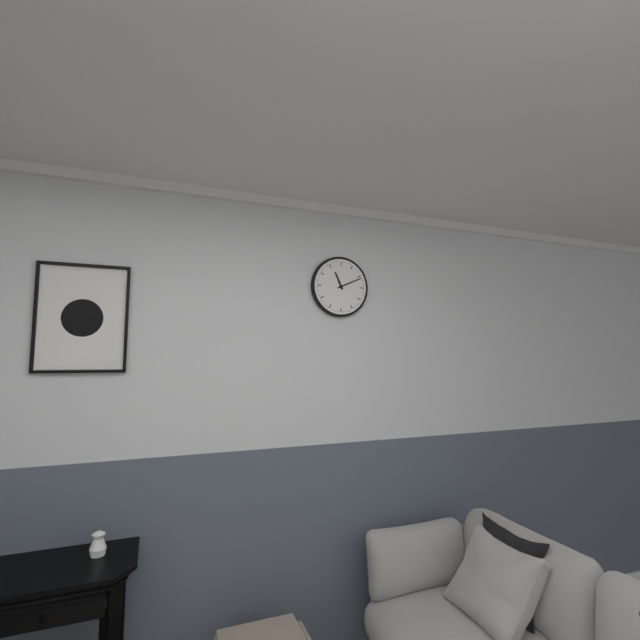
11:11
